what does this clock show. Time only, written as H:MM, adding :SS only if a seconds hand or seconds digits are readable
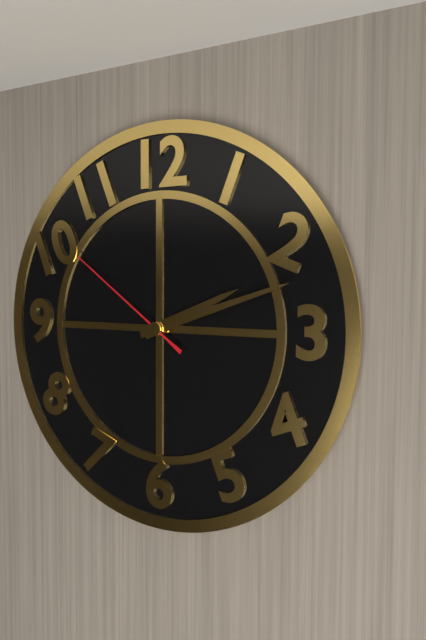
2:12:51
